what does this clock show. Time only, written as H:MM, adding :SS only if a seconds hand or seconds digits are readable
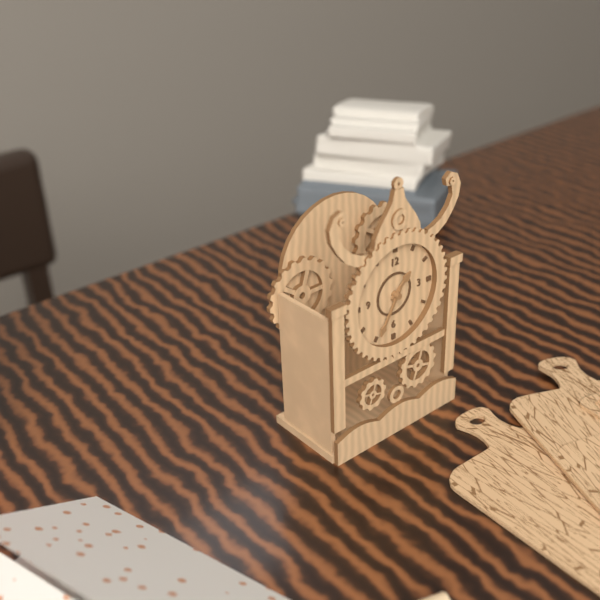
1:35
